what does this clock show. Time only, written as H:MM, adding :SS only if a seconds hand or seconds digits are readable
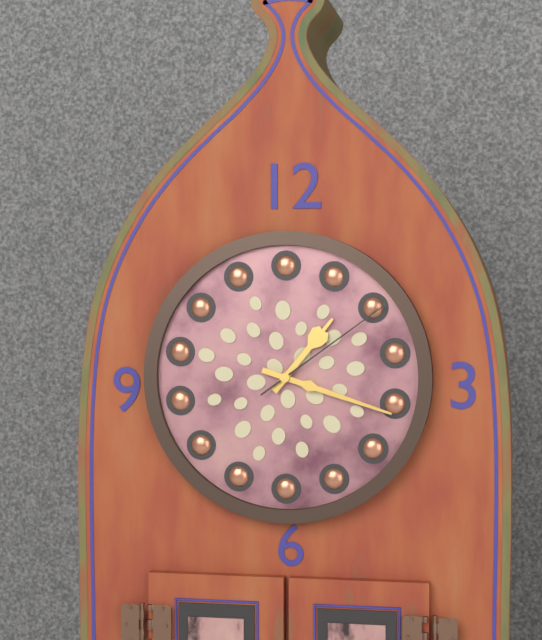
1:18:09
